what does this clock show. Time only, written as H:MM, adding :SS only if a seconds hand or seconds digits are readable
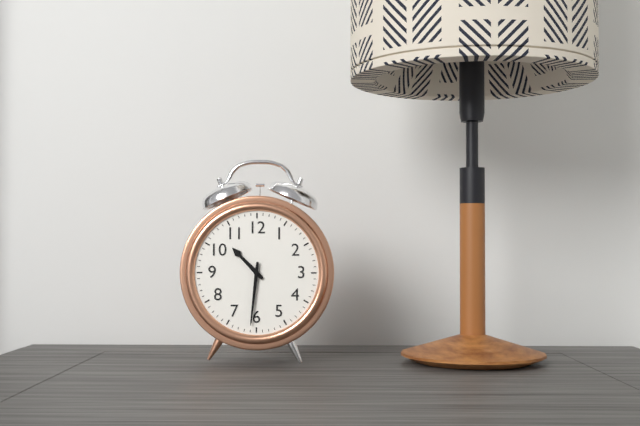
10:31
